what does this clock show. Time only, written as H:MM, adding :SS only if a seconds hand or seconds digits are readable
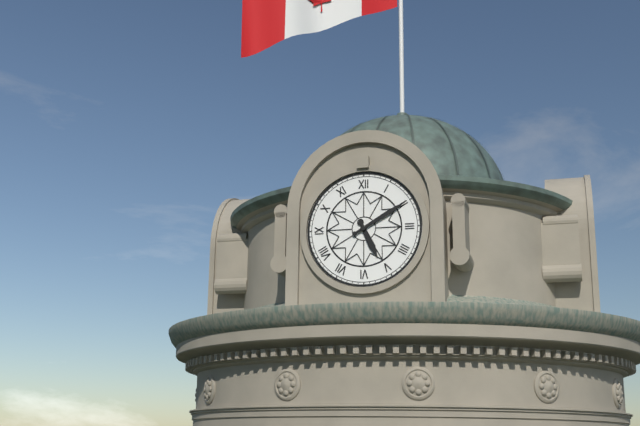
5:10
